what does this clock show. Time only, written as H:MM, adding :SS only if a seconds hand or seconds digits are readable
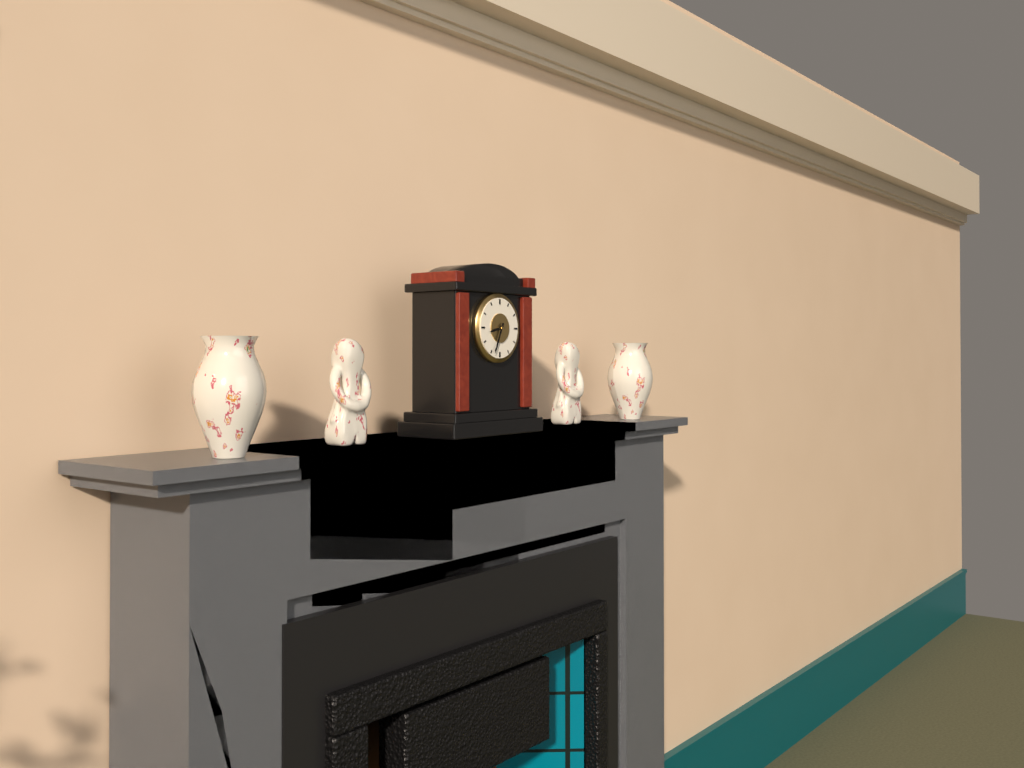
8:34
